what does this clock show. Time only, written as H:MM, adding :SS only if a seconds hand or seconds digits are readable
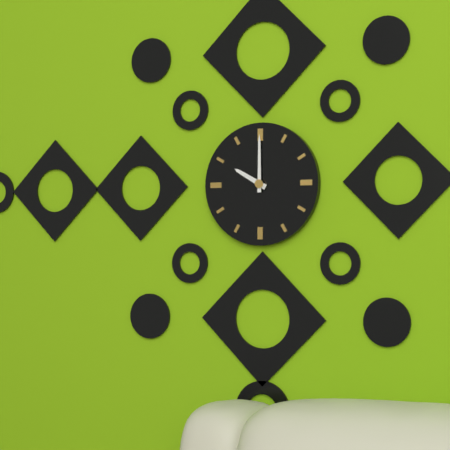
10:00
